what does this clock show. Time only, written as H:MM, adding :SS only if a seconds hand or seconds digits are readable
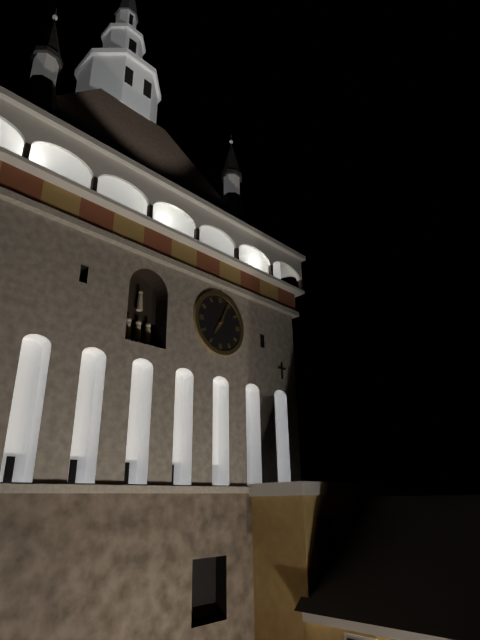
7:04
